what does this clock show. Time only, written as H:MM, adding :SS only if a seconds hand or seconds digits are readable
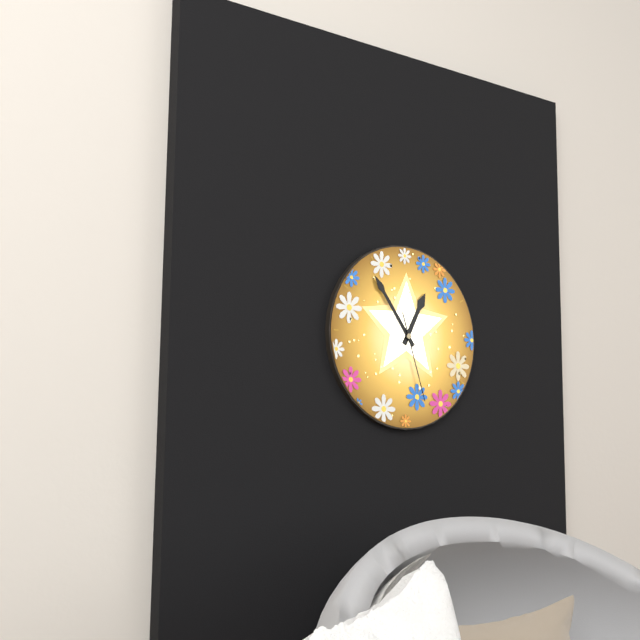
12:54:27
